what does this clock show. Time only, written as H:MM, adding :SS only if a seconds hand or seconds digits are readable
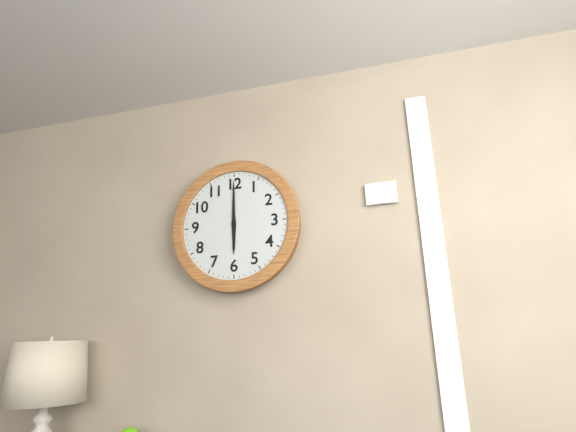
6:00
